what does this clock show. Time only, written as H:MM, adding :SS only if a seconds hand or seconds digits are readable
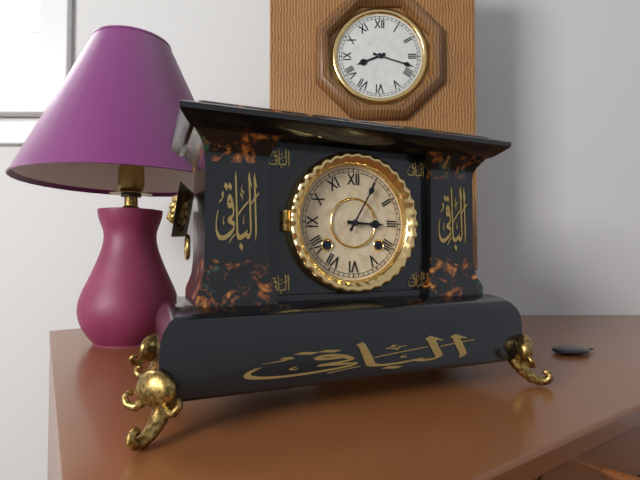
3:05
